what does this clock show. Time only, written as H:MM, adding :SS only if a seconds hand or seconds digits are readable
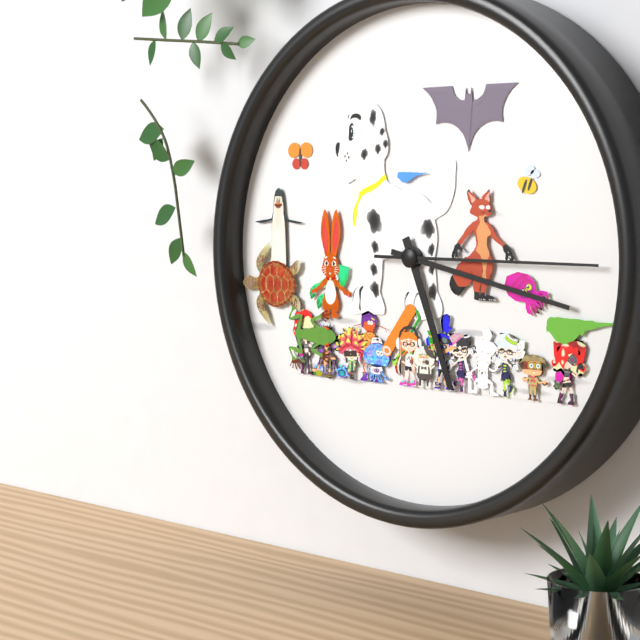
5:17:15
